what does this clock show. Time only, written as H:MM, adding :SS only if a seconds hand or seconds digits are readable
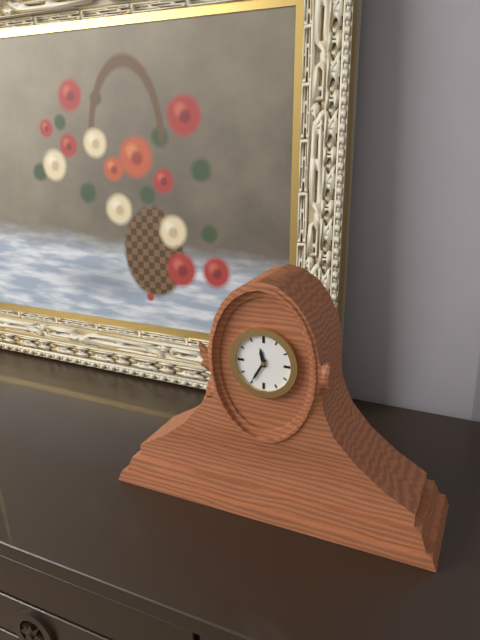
11:35
